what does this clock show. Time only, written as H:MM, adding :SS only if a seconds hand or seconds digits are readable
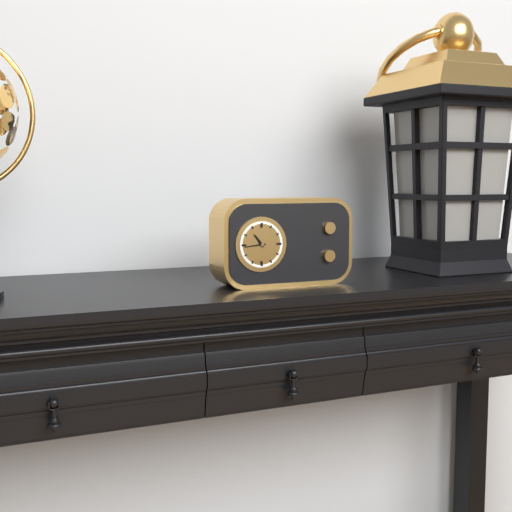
10:44
